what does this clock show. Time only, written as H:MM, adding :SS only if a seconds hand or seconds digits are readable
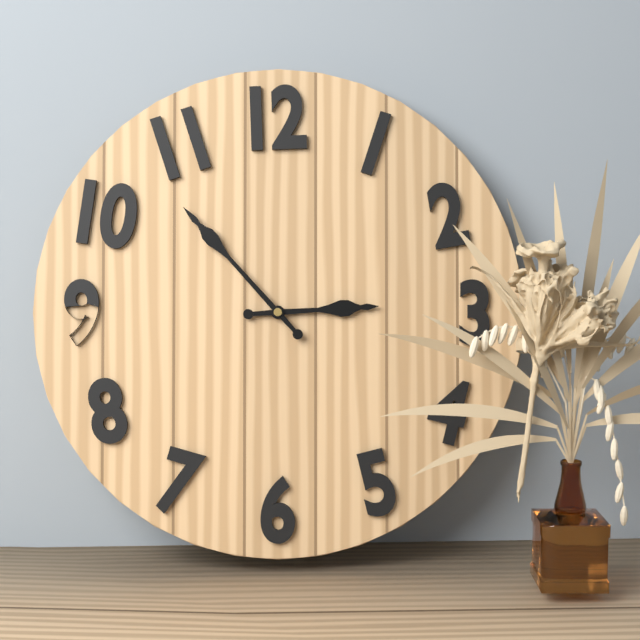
2:53
